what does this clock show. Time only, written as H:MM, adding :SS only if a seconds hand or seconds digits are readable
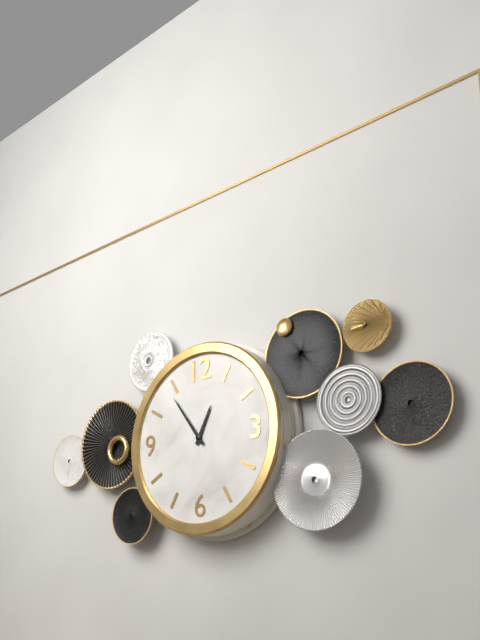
12:54
